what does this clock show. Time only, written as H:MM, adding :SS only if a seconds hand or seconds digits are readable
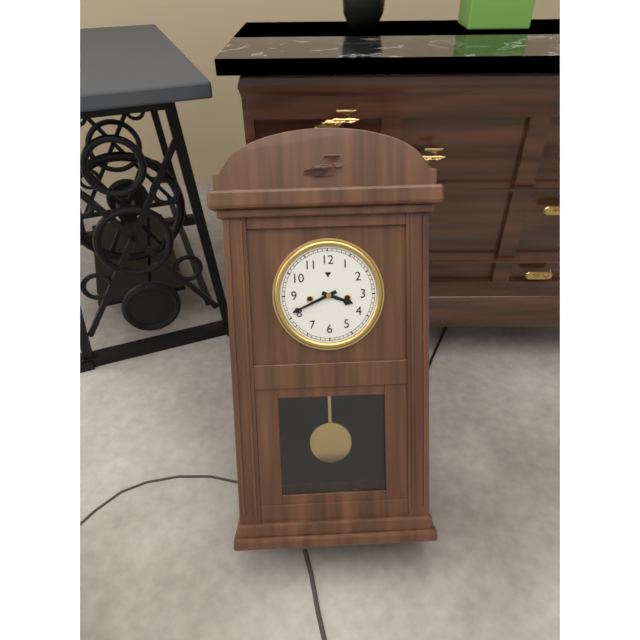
3:41
